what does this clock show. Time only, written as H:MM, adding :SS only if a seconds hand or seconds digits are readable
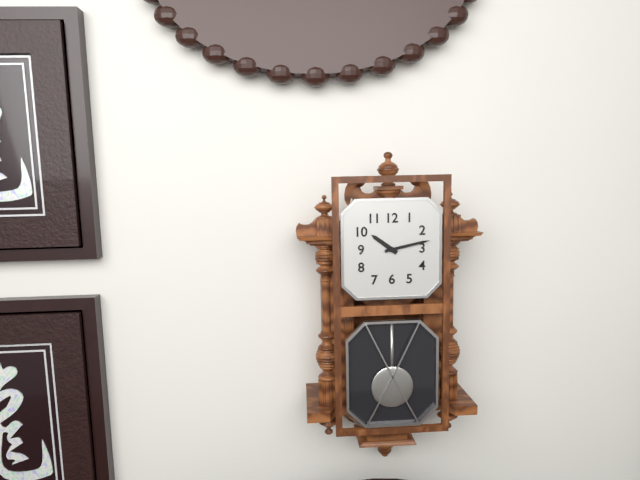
10:13
